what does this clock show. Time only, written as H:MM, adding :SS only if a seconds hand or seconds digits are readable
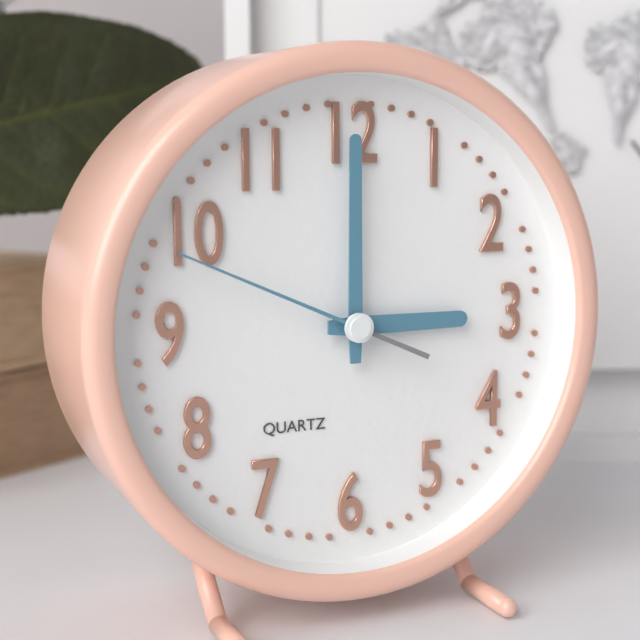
3:00:49
